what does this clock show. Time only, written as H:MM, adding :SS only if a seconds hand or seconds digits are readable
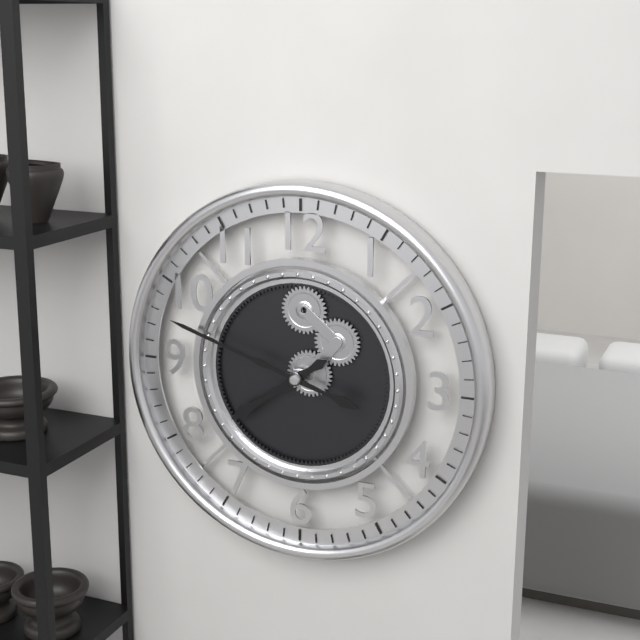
7:48
